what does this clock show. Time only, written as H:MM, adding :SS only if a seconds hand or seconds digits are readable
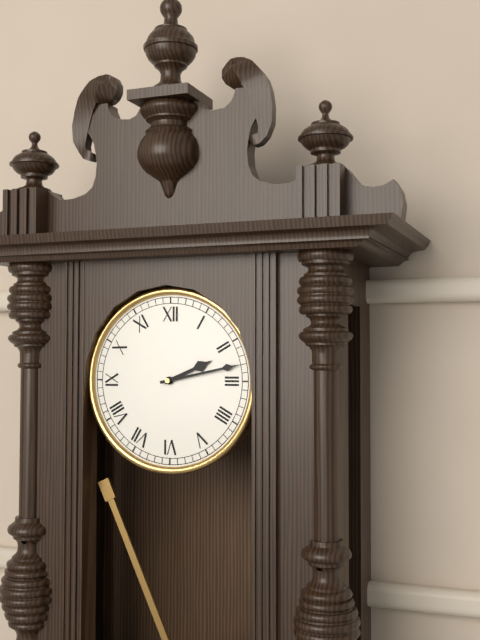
2:13
